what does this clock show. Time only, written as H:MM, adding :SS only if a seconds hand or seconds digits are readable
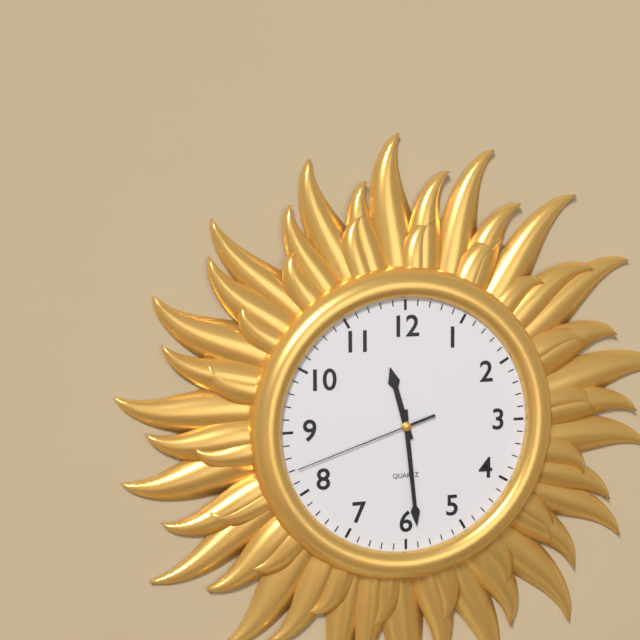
11:29:42
